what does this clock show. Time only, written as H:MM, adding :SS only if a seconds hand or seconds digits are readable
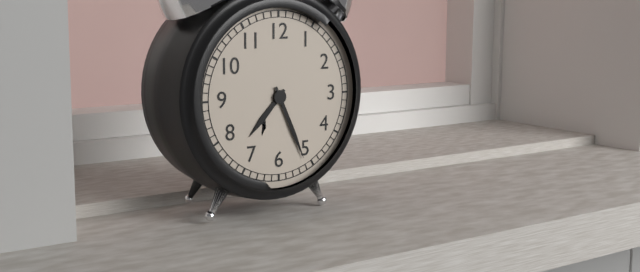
7:26
